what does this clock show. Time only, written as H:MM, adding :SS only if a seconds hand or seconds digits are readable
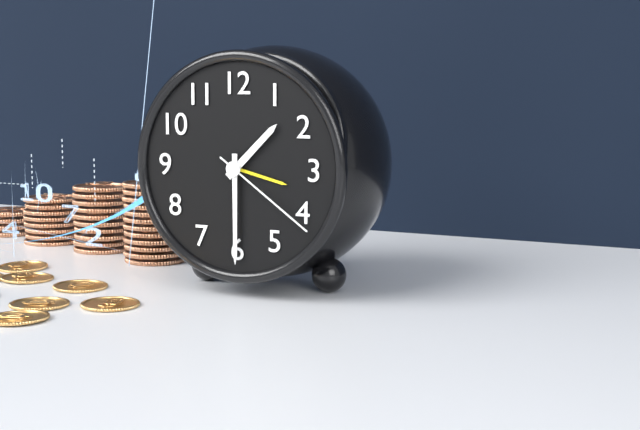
1:30:21
